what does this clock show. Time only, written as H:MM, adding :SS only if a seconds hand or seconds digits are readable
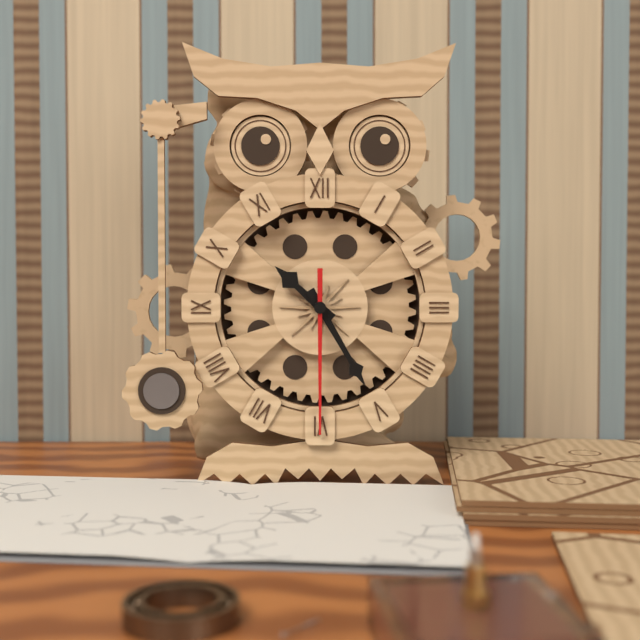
10:25:30
